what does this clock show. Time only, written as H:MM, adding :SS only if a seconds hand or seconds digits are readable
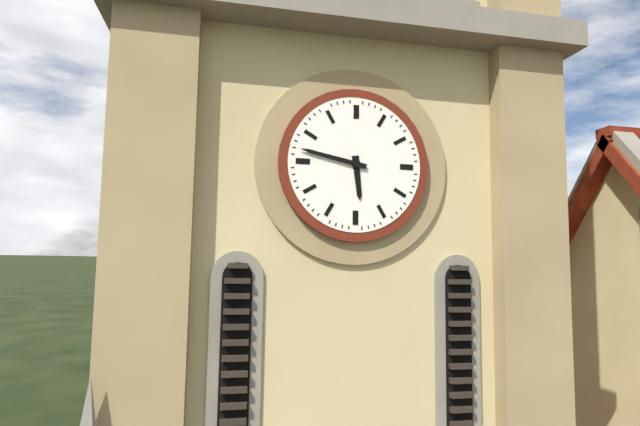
5:47
